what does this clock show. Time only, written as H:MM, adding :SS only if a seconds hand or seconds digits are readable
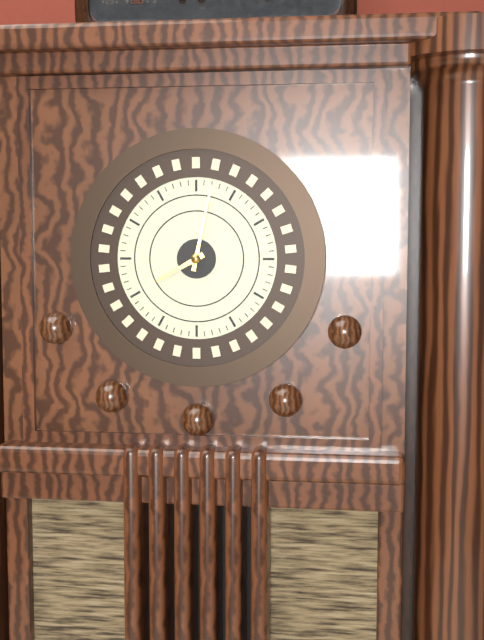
8:02
